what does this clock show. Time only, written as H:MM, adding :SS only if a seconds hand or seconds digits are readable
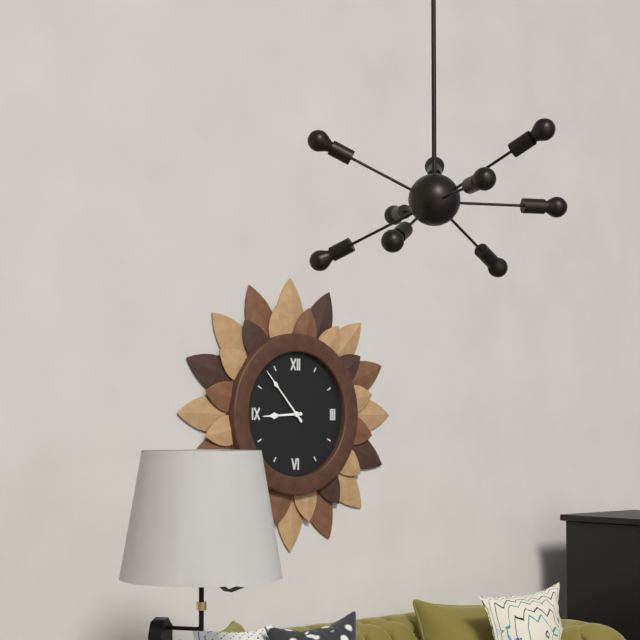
8:53
